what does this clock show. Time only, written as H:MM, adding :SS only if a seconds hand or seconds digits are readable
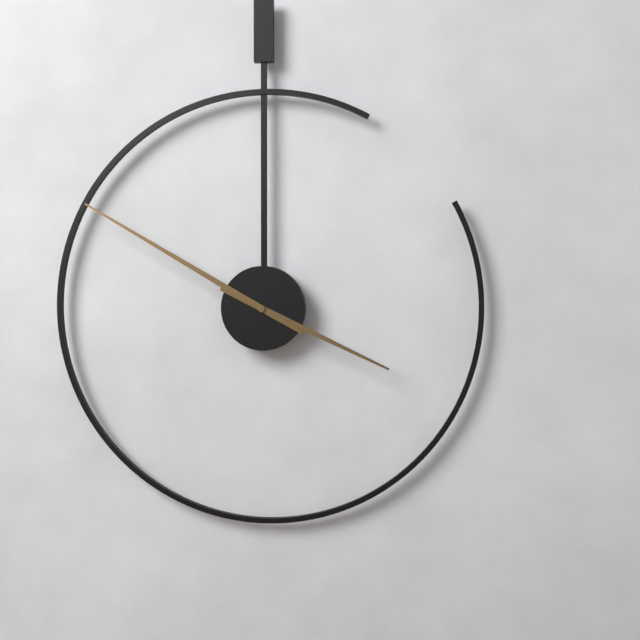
3:50
